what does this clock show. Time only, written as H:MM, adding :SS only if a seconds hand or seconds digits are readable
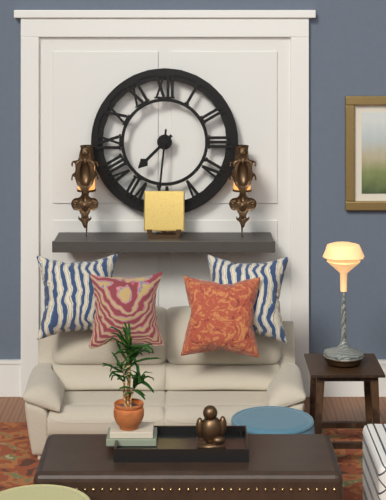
7:31
